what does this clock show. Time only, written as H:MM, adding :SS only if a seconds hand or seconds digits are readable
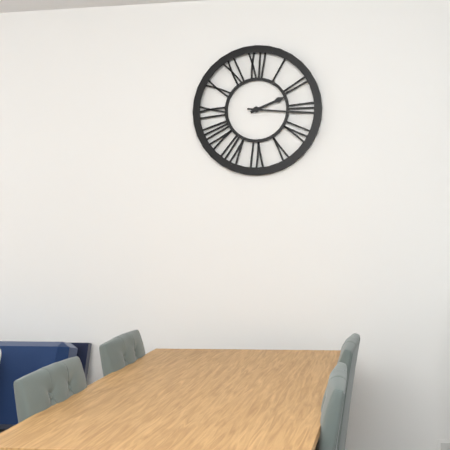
2:16
